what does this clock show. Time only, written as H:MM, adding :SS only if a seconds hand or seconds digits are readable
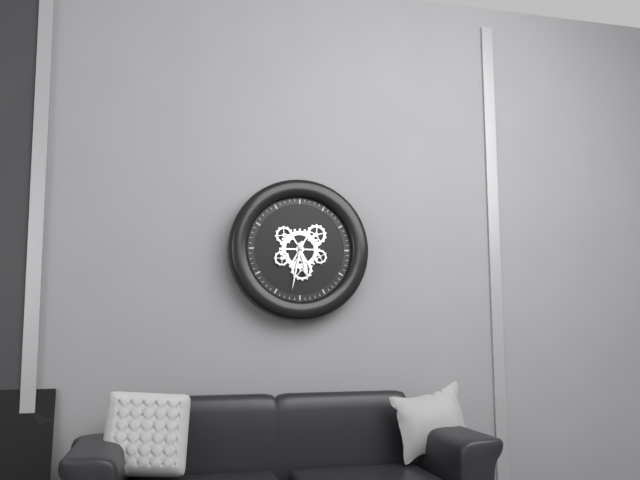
5:32
